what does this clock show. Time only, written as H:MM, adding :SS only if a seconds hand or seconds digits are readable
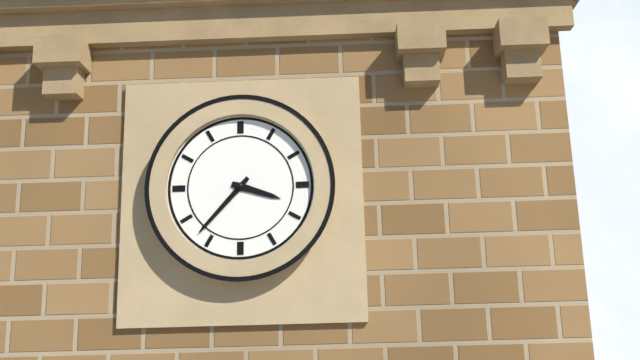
3:37
